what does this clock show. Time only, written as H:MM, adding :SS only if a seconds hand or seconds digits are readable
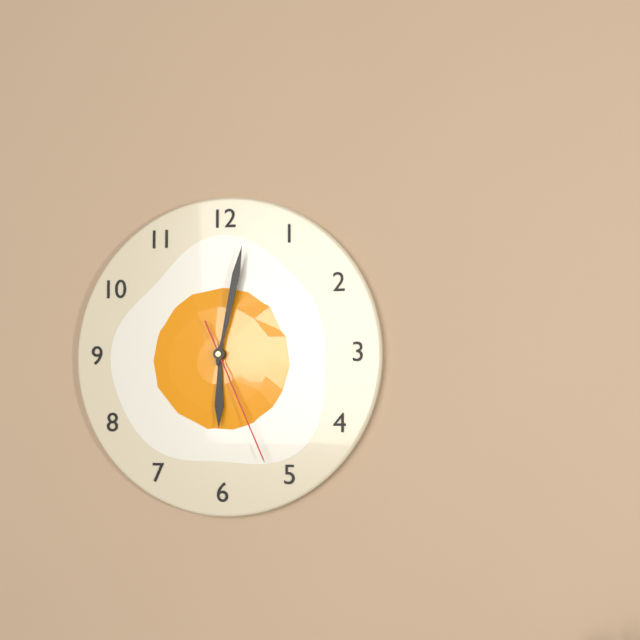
6:02:26
